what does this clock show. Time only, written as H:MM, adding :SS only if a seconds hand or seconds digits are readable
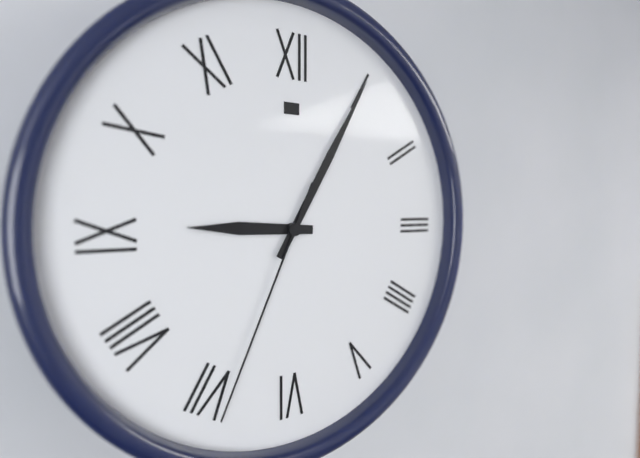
9:05:34
